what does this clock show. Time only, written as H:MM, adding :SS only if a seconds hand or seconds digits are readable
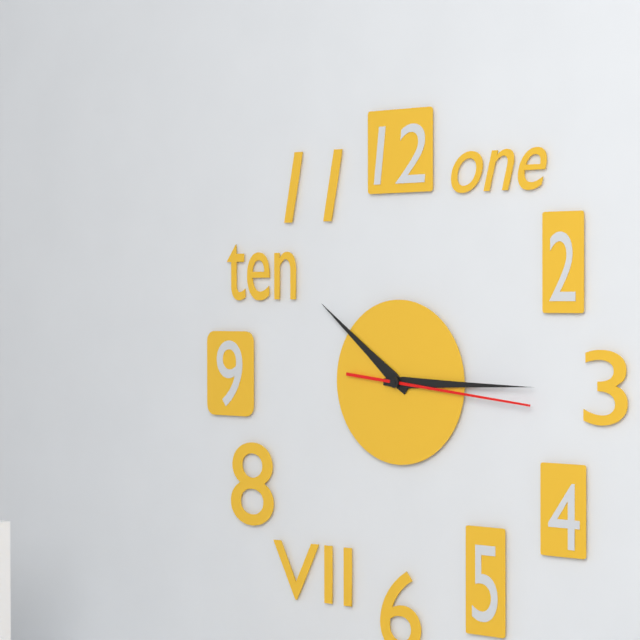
10:15:16
